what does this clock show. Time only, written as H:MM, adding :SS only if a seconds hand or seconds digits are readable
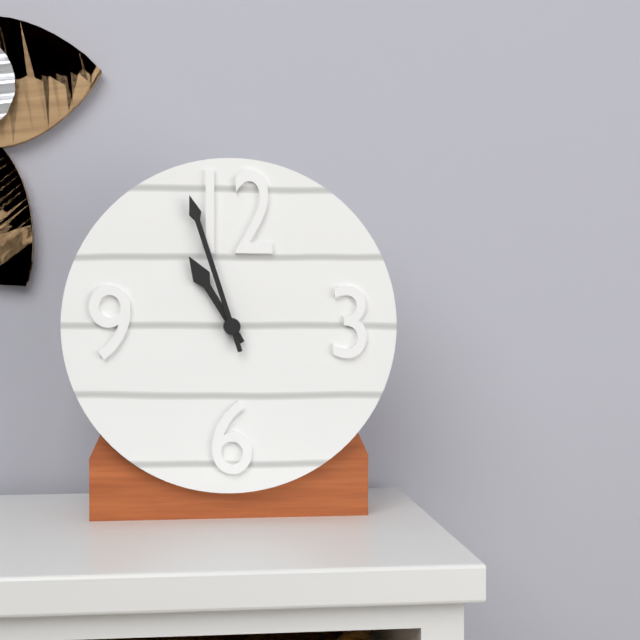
10:57
